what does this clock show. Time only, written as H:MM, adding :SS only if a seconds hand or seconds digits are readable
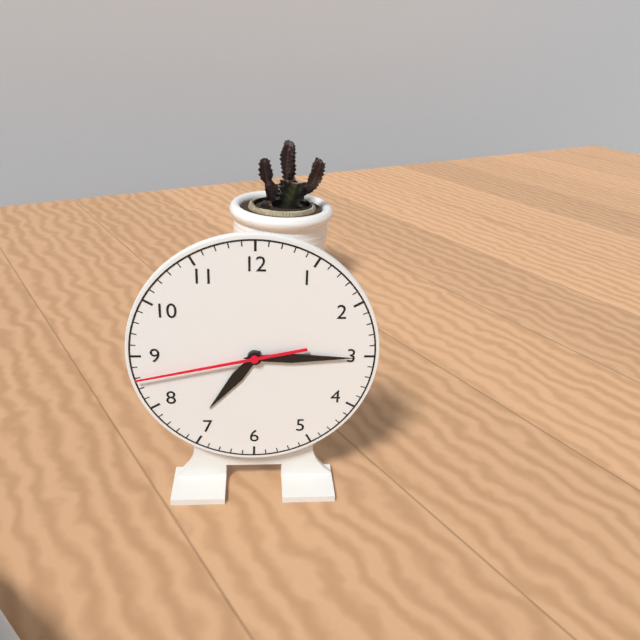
7:15:43
